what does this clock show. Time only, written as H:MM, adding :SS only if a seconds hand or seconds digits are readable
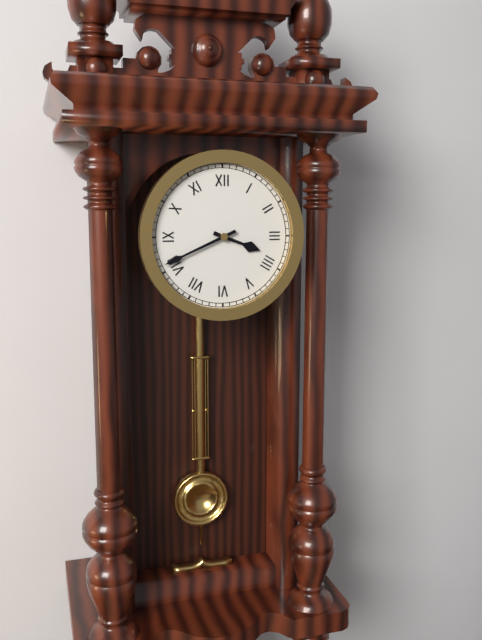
3:41
